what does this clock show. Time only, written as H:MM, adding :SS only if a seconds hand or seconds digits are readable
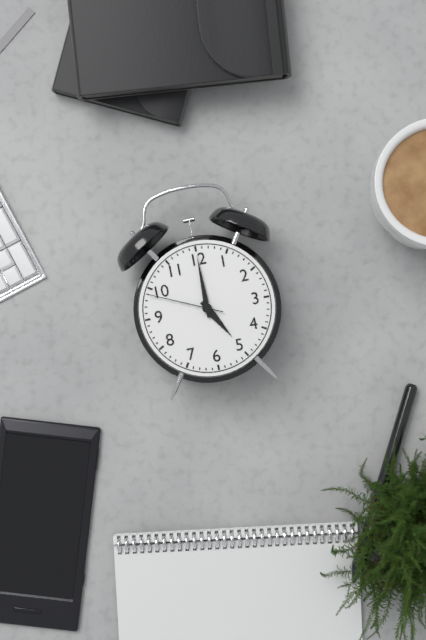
5:00:49
